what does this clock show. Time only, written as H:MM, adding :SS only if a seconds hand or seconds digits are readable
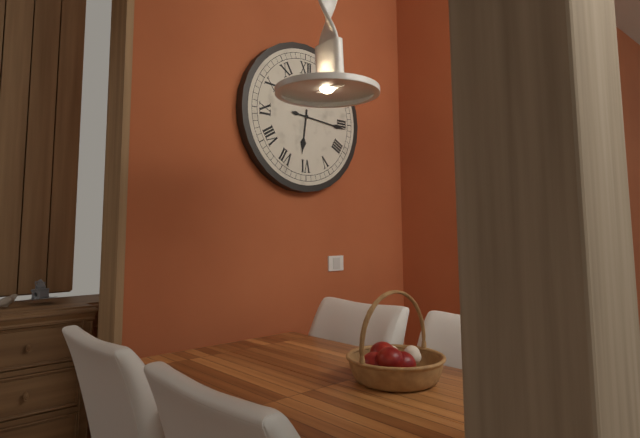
6:16
